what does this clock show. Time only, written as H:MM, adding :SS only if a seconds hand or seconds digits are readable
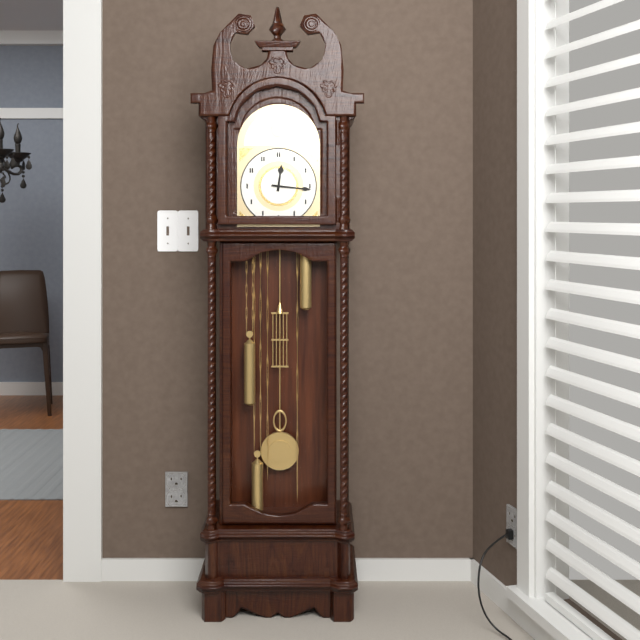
12:16
